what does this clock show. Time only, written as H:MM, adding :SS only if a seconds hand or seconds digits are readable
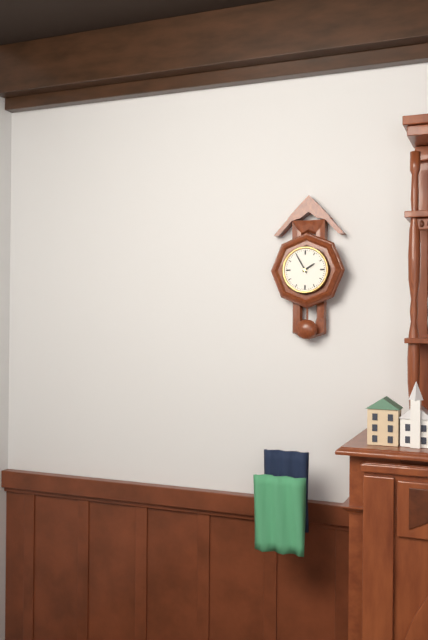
1:55
